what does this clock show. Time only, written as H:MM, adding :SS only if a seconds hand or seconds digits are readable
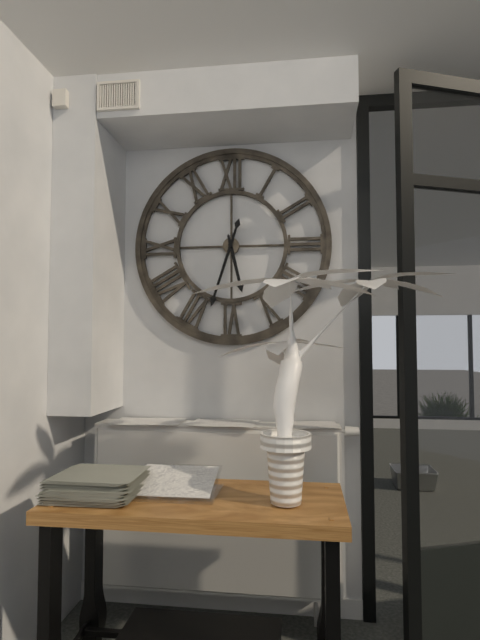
5:33
